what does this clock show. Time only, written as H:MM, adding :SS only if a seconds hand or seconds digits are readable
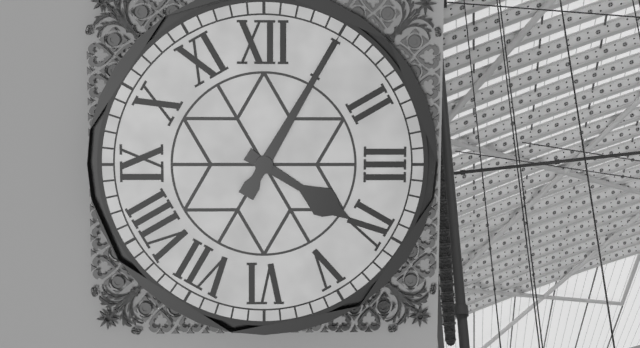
4:05
